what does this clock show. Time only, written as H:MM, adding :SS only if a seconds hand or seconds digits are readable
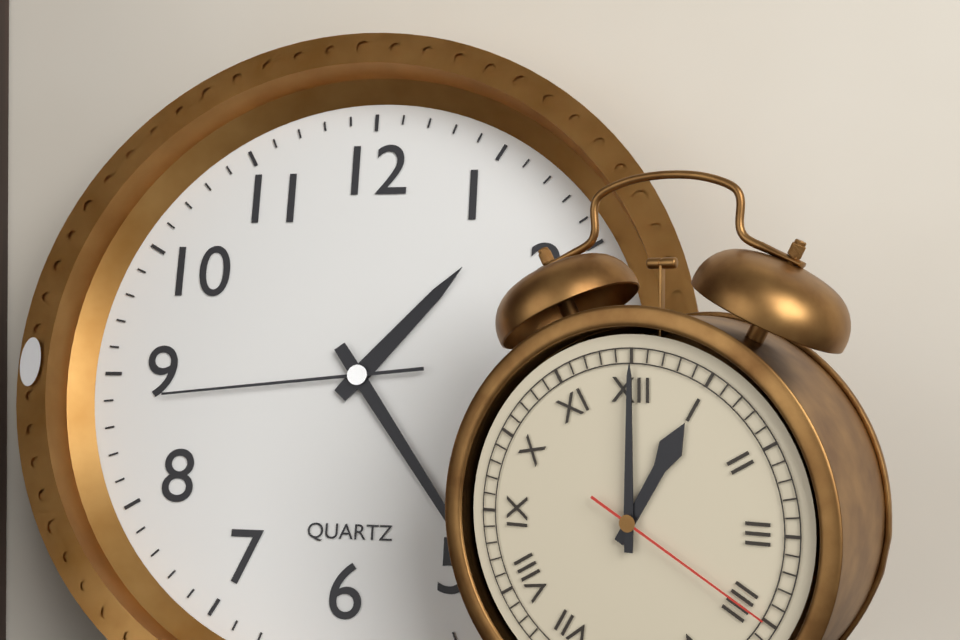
1:24:44
